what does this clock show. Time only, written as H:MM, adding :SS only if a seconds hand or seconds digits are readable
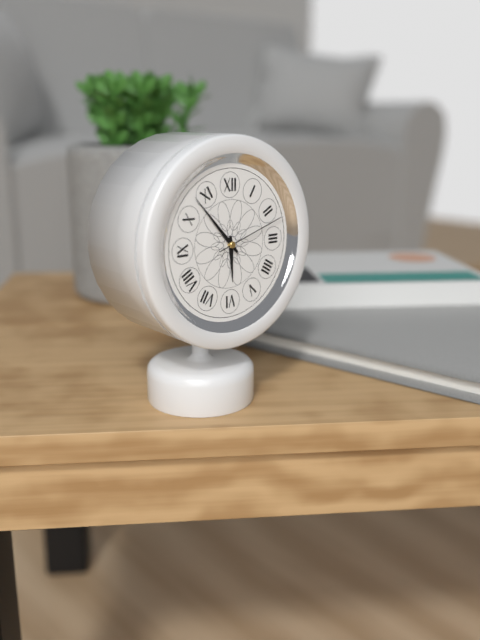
5:53:12
